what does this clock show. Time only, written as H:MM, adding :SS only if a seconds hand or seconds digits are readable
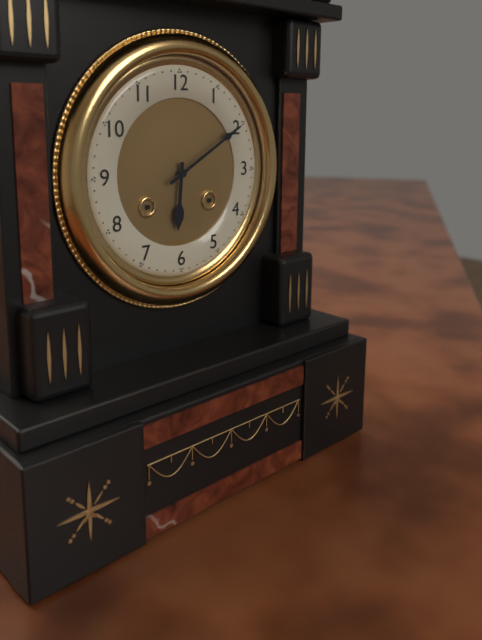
6:10
